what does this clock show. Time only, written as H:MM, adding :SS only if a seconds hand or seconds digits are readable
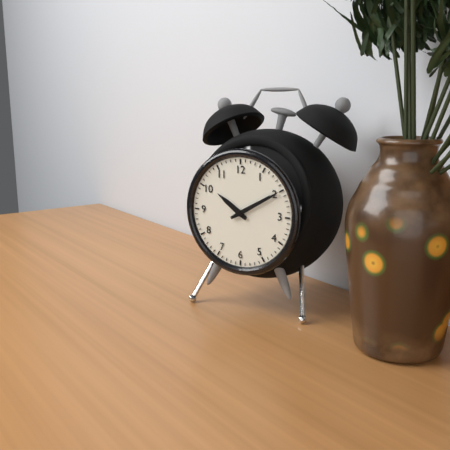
10:10
